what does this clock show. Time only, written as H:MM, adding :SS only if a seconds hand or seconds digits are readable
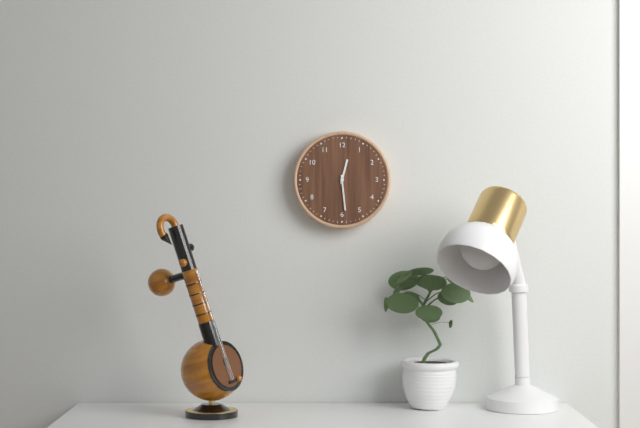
12:29
